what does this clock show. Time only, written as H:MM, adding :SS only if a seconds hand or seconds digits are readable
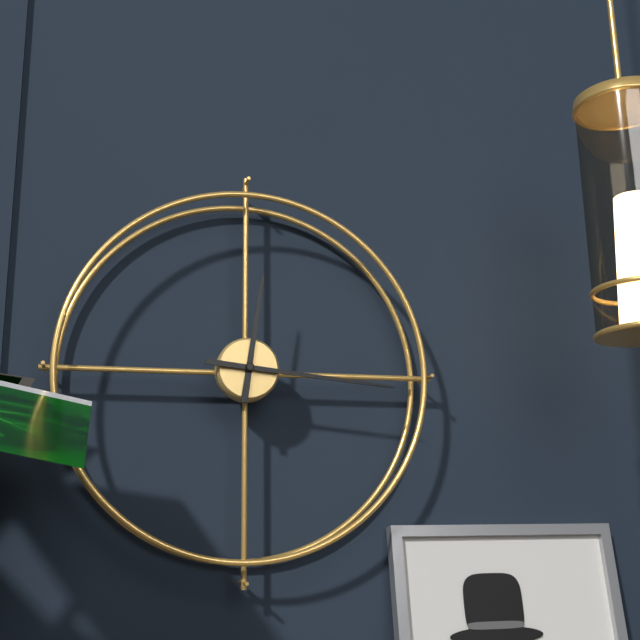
12:16
